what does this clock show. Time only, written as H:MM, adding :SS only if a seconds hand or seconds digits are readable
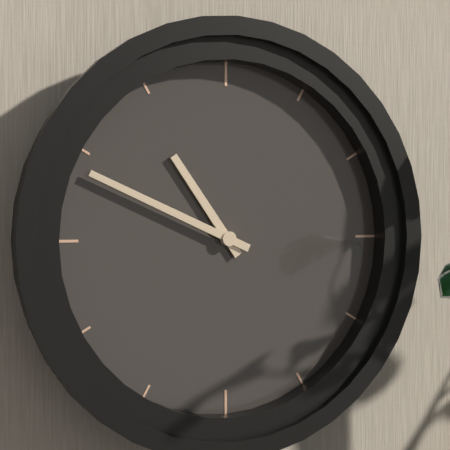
10:49
